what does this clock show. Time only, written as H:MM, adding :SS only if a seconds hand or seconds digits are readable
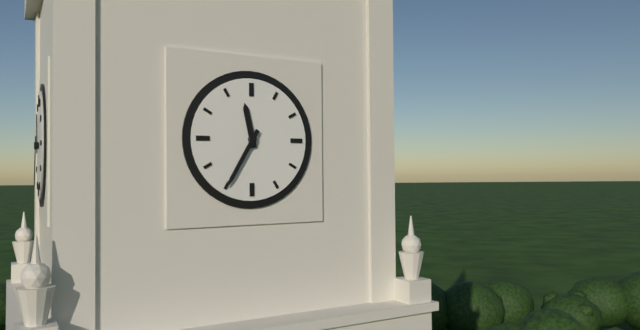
11:35
